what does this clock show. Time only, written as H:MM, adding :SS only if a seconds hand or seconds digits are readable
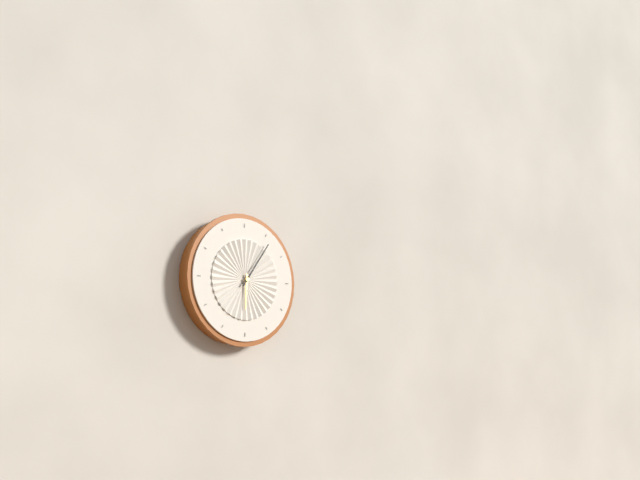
6:06
